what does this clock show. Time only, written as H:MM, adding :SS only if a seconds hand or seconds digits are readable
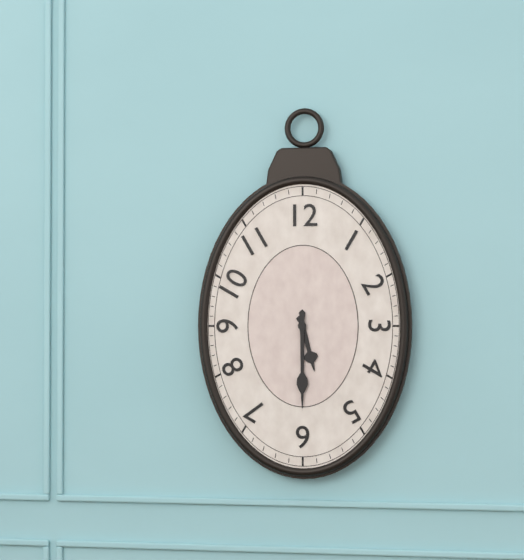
5:30
